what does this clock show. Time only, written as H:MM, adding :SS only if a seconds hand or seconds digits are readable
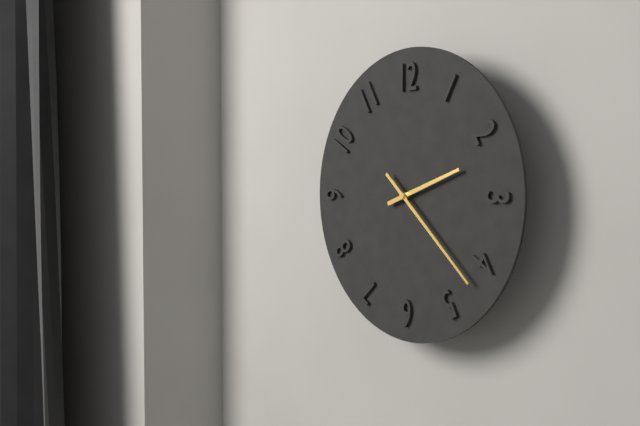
2:22
